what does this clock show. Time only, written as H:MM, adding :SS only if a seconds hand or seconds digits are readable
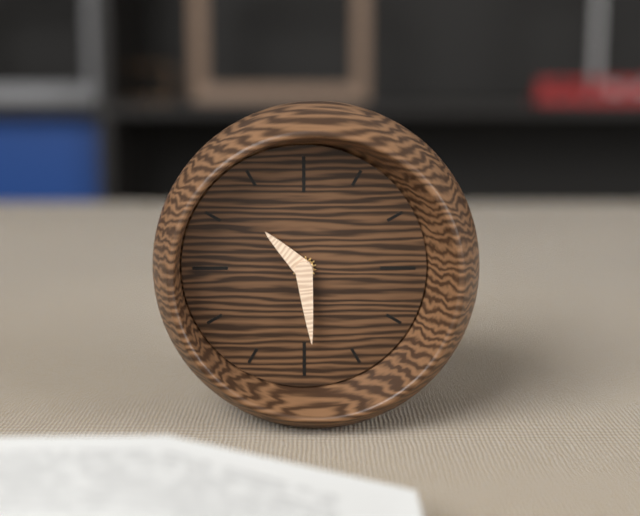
10:29
